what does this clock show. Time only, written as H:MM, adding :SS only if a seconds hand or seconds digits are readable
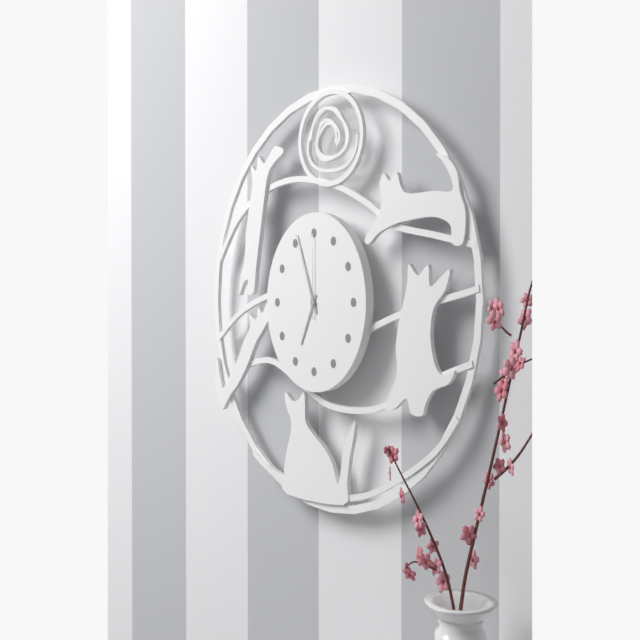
6:56:00
